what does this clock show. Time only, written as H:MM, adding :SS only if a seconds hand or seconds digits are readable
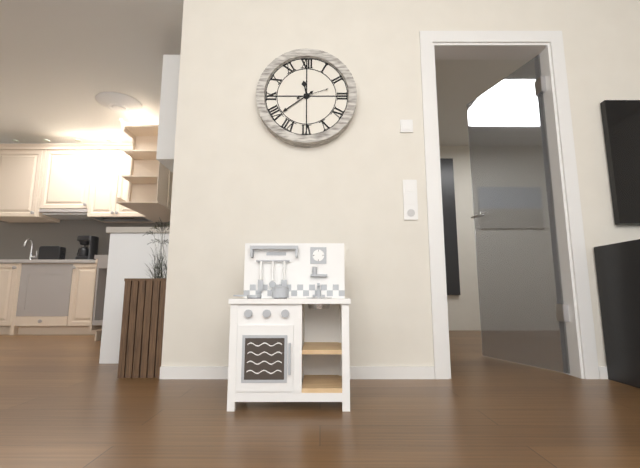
11:39
